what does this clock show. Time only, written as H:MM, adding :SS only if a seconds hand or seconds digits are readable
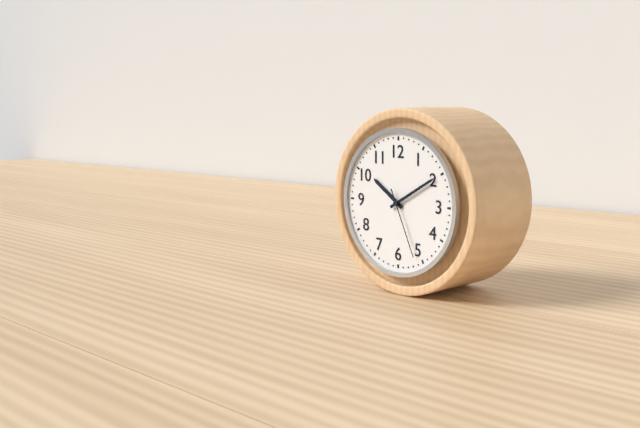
10:10:26
